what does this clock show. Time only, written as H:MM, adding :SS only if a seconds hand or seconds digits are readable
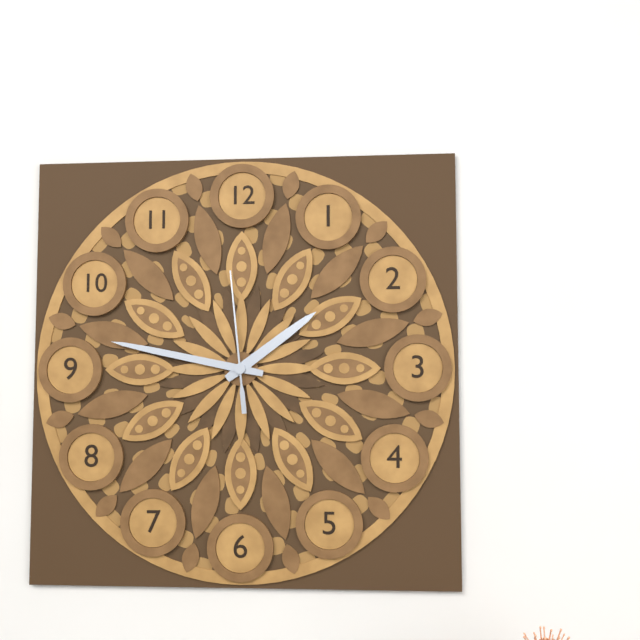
1:47:59
